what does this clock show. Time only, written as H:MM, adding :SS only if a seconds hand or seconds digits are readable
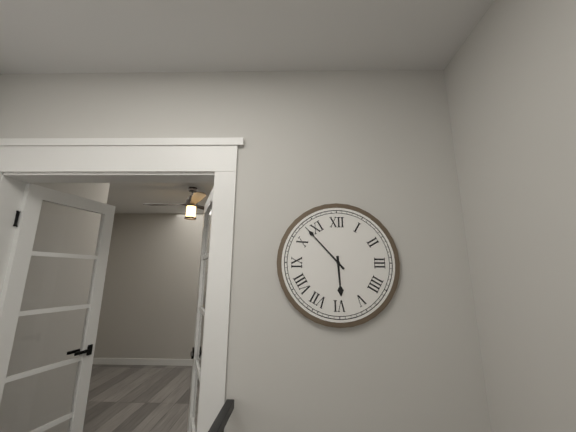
5:53
